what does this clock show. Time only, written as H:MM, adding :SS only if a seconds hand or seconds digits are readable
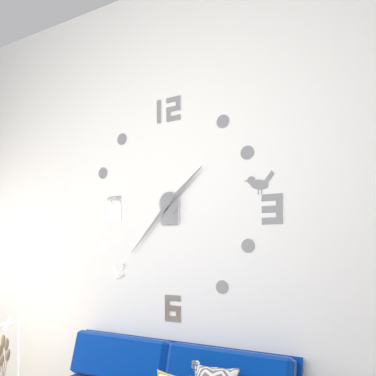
1:37
